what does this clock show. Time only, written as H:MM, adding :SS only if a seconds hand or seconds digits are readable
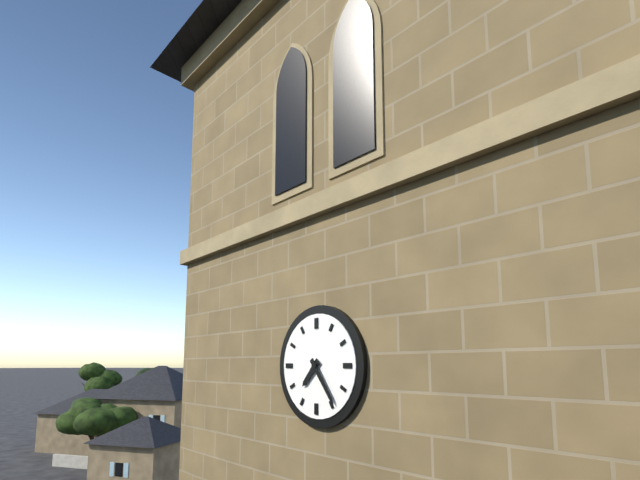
7:24
